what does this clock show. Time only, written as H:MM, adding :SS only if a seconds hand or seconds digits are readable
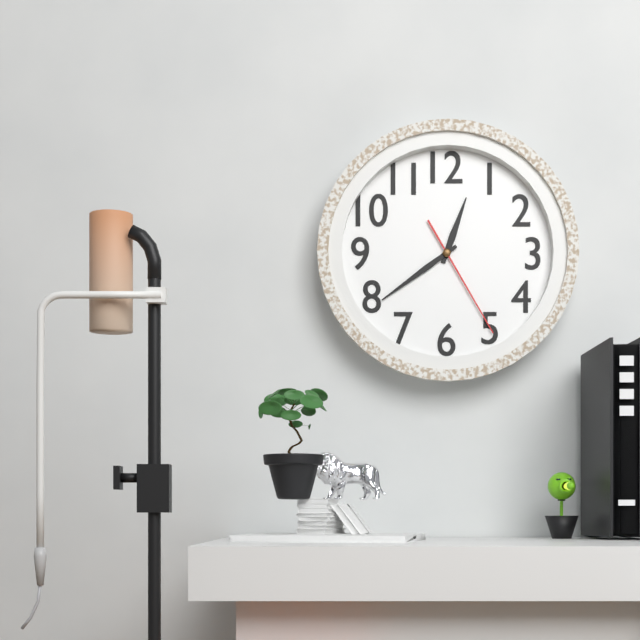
12:39:25
